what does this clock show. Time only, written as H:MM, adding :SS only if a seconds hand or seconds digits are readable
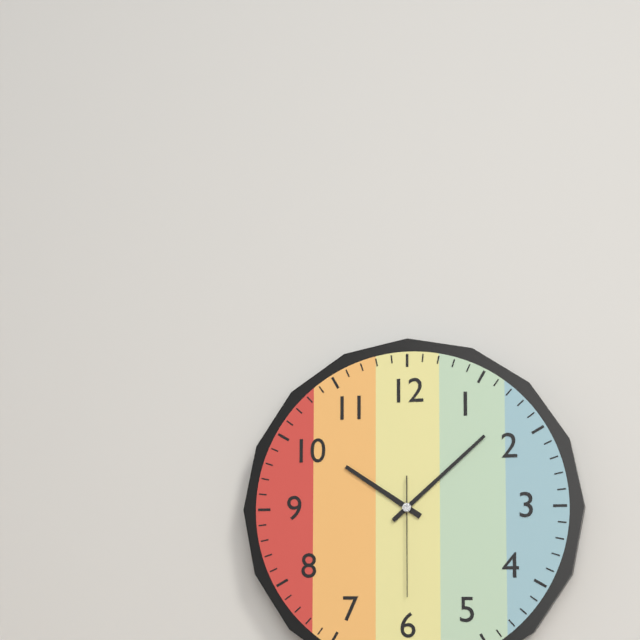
10:08:30
